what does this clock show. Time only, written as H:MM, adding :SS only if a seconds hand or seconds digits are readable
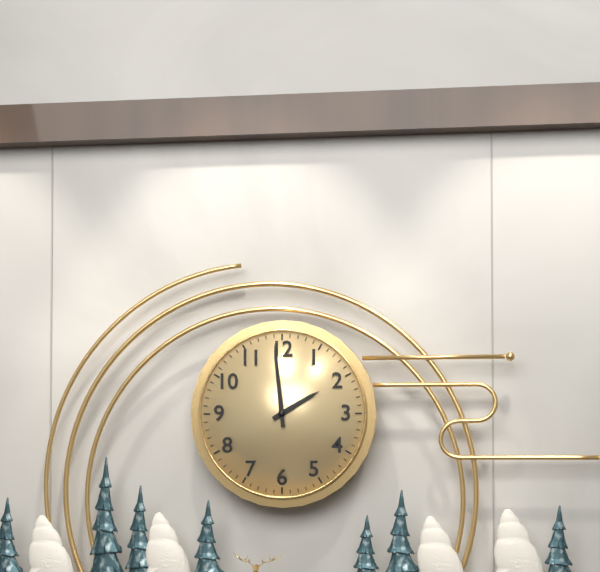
1:59
